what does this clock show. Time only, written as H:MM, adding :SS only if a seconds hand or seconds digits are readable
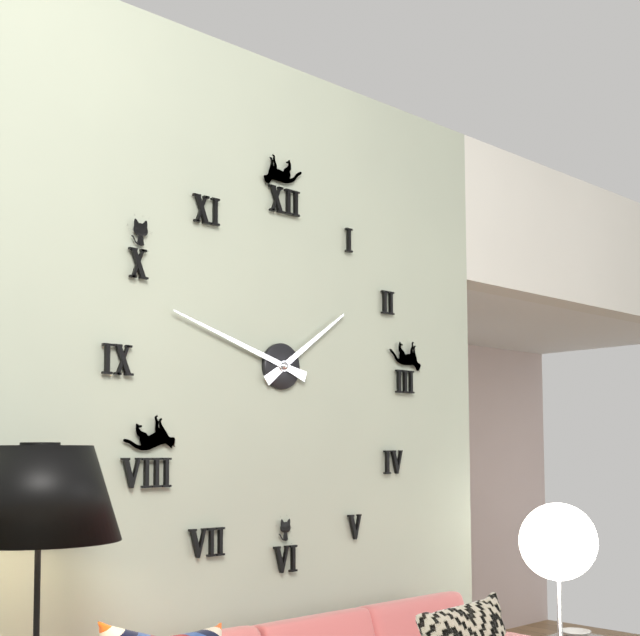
1:48
